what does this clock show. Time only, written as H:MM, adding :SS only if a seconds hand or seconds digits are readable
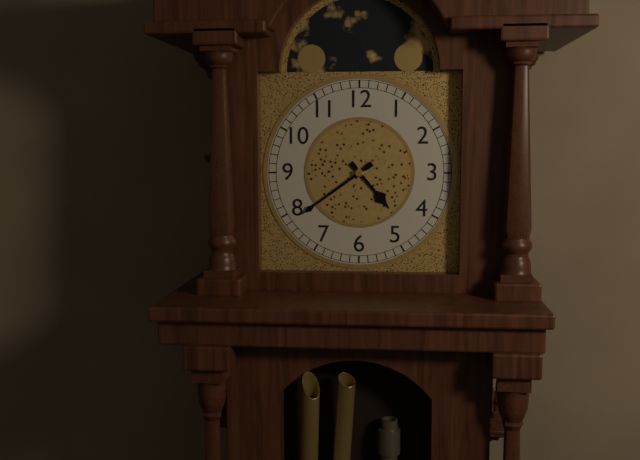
4:39
